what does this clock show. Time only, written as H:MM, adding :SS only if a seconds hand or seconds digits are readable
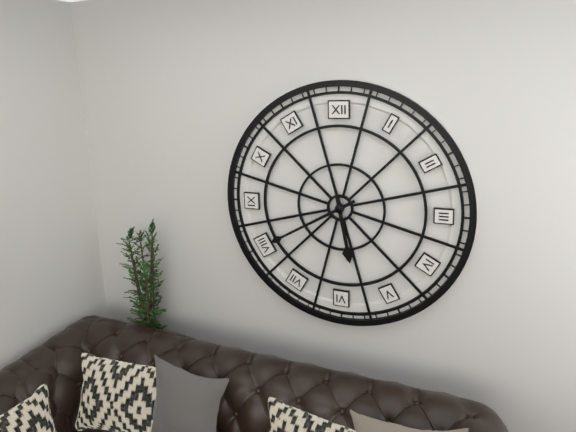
5:40
